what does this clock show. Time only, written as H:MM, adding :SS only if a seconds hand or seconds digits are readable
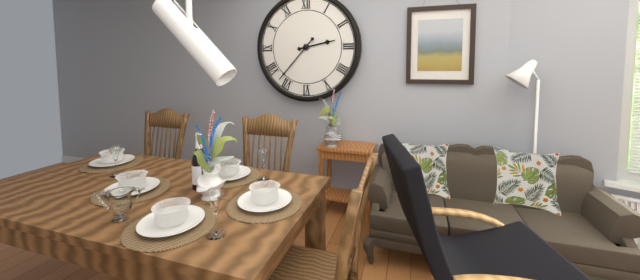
2:37
